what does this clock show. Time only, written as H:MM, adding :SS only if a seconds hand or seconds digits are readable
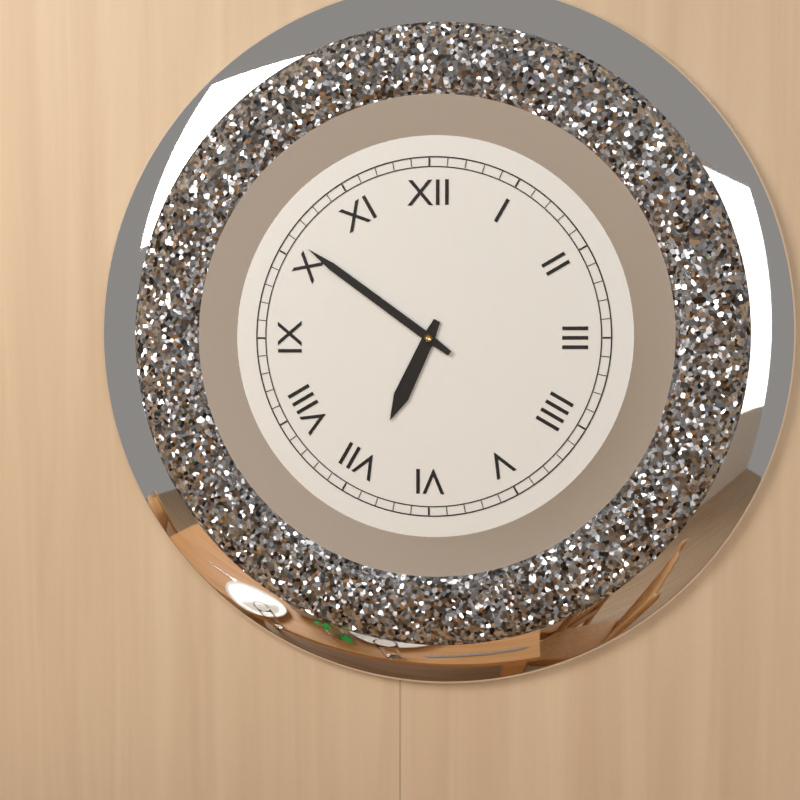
6:51
